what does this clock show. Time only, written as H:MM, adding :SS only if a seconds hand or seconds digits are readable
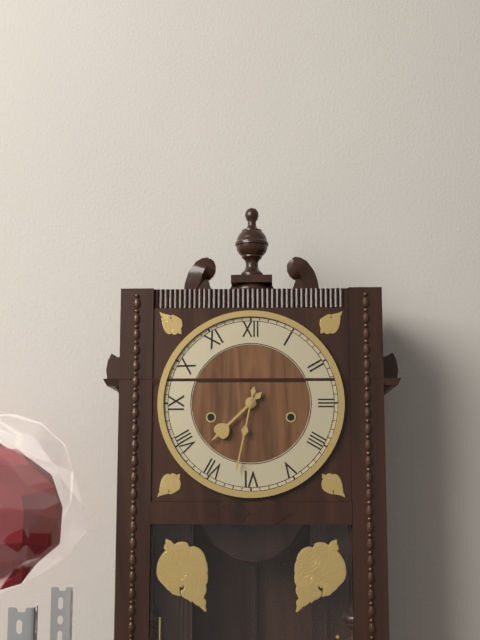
7:32
